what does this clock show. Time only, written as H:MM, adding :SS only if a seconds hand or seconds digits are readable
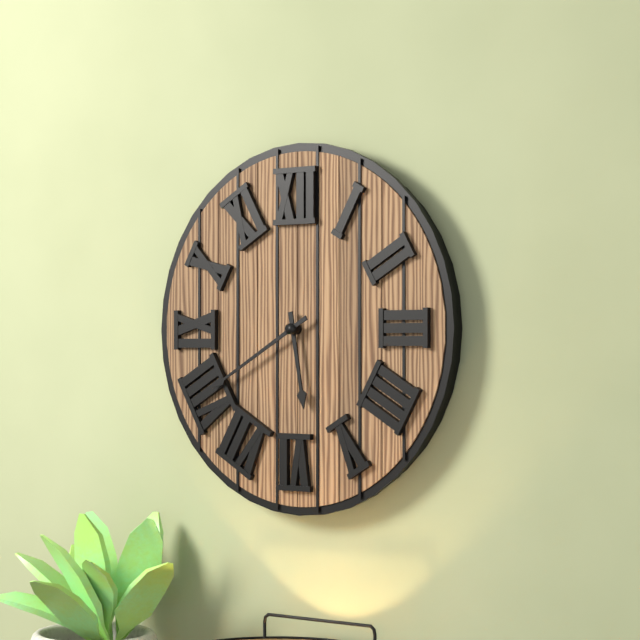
5:40
